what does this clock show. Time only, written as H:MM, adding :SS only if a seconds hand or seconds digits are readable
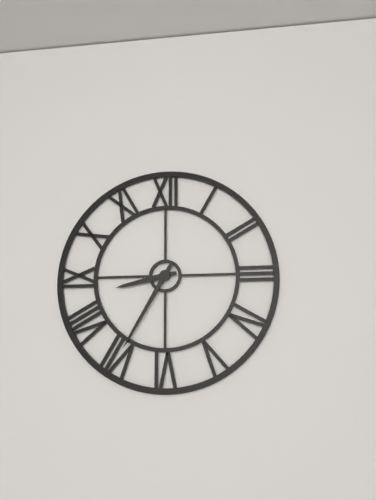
8:35
